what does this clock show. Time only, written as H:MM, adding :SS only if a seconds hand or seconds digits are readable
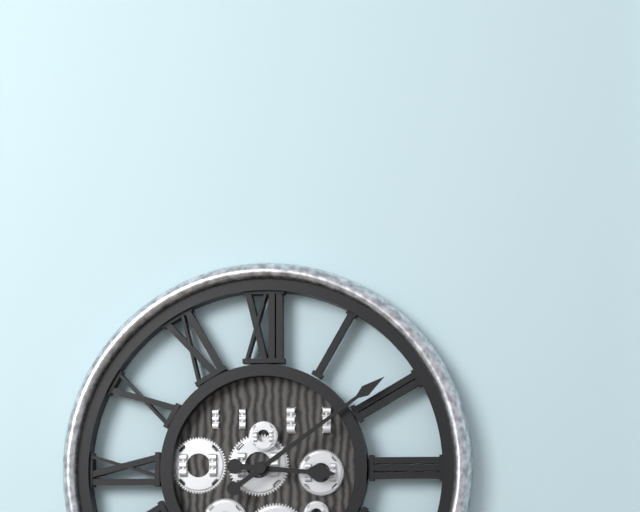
3:09
